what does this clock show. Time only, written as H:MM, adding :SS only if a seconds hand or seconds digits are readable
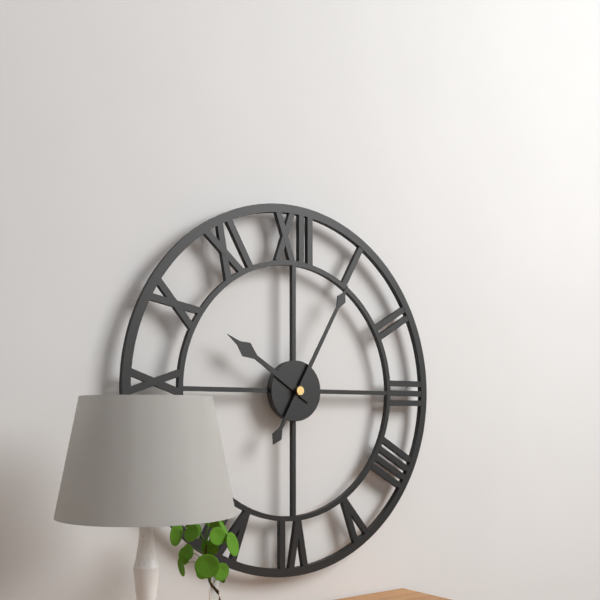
10:05
